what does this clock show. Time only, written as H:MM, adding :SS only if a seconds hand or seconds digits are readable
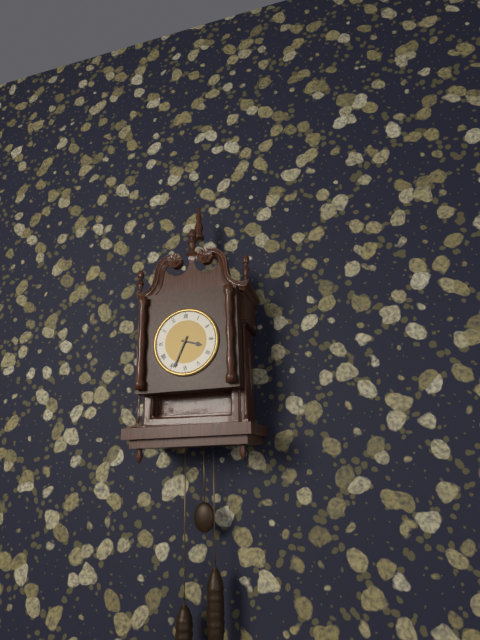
3:34
